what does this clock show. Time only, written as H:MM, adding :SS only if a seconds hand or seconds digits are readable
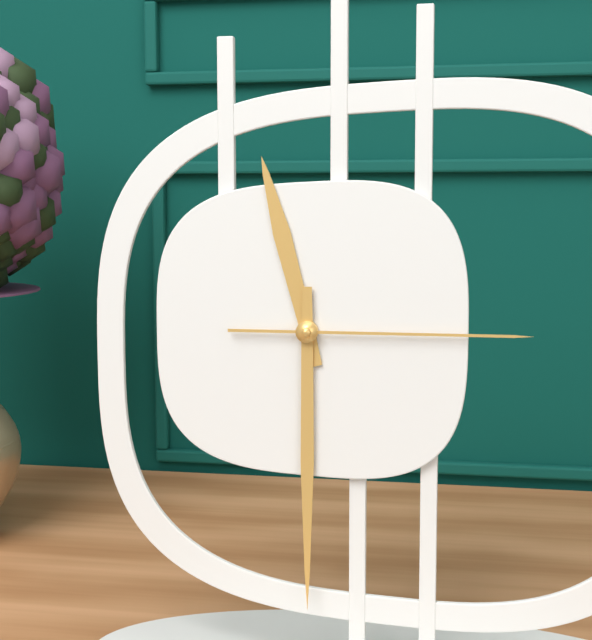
11:30:15
